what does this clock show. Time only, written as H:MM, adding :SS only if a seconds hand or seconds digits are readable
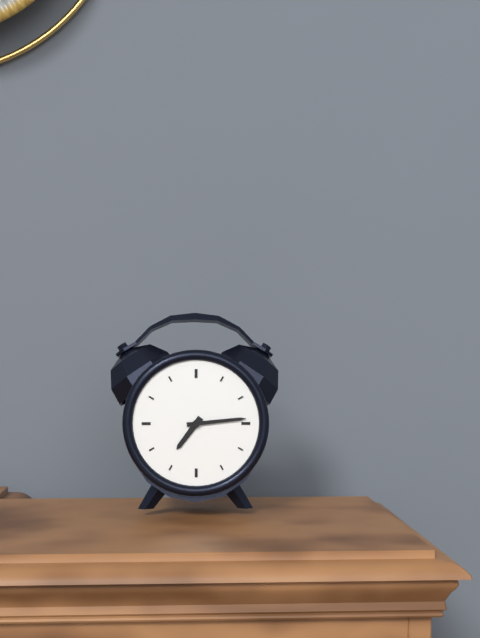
7:14
